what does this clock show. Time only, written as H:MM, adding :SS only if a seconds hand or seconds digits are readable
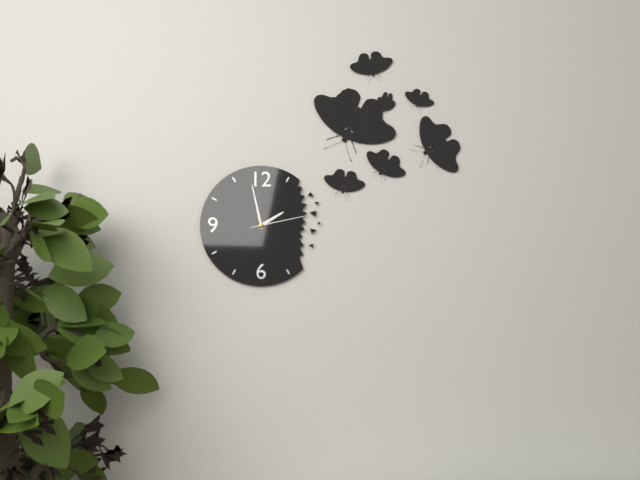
1:58:13
